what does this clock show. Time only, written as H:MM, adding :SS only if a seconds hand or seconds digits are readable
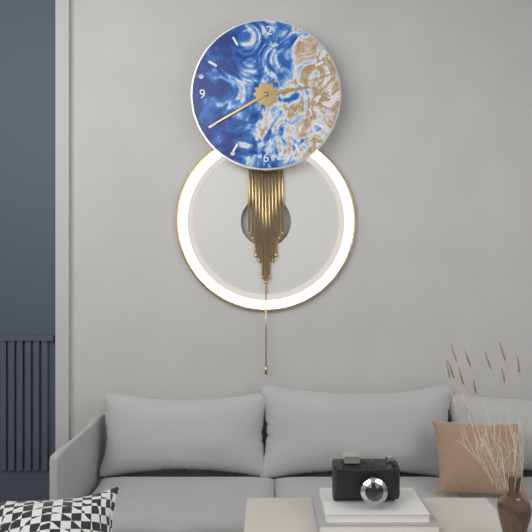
2:40
